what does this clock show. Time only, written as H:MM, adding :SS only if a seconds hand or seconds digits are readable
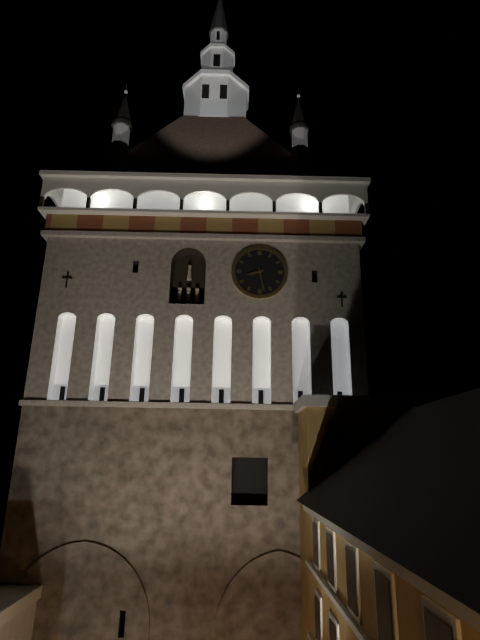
8:28
